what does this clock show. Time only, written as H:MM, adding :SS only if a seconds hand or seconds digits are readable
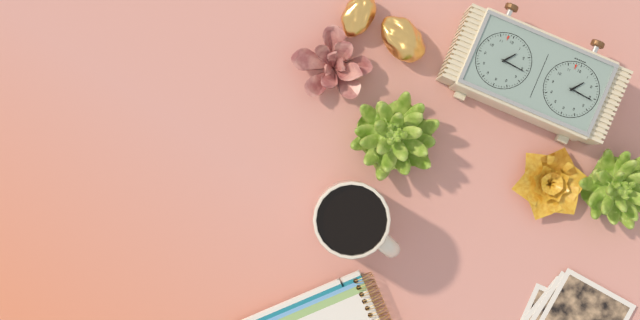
1:16
